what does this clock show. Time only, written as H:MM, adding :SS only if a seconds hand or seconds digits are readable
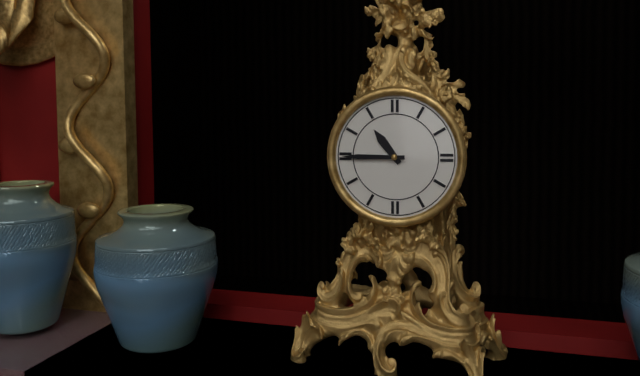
10:45
